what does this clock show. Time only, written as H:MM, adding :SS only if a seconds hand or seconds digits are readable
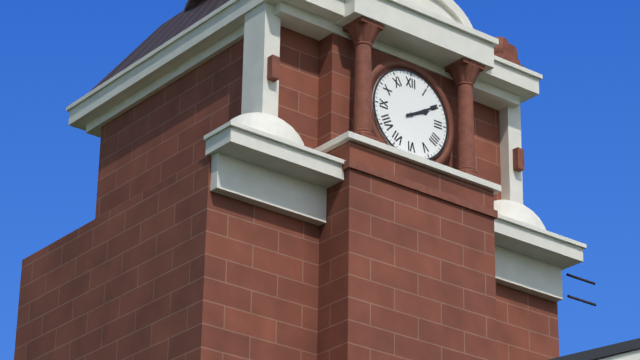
2:10
